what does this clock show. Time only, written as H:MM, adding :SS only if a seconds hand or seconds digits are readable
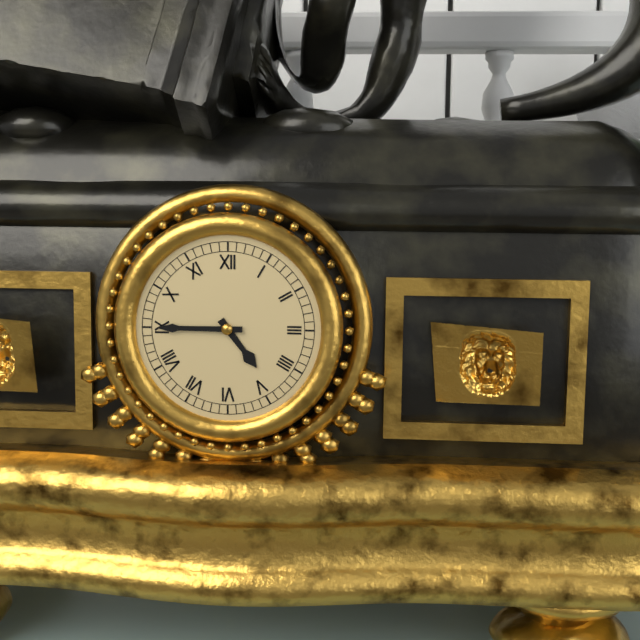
4:45
